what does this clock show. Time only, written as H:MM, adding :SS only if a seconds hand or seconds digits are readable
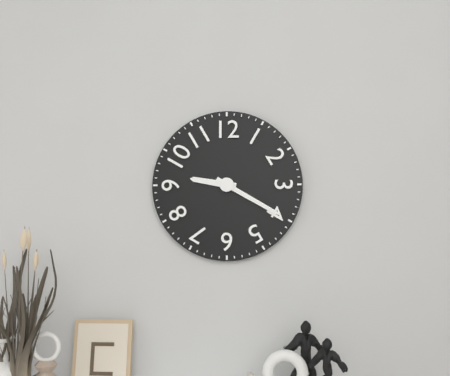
9:20
